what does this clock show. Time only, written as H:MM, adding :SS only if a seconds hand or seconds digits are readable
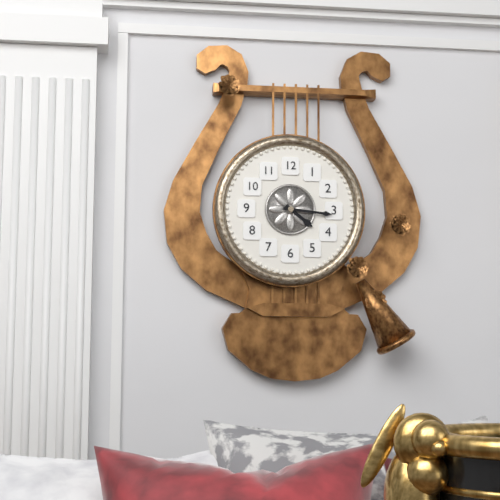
4:16
